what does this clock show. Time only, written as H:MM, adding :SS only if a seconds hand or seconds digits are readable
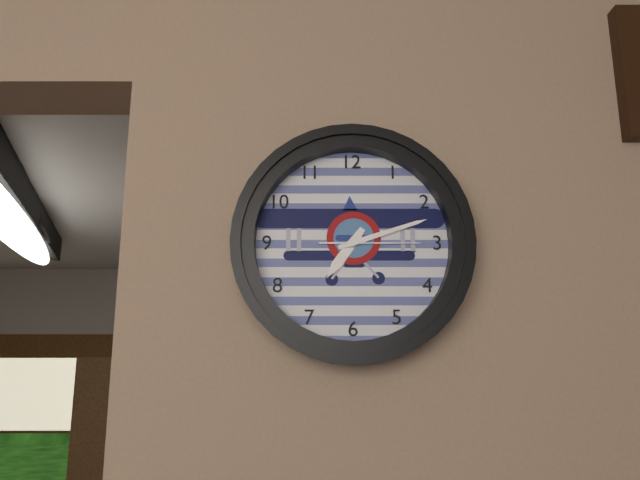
7:12:15
